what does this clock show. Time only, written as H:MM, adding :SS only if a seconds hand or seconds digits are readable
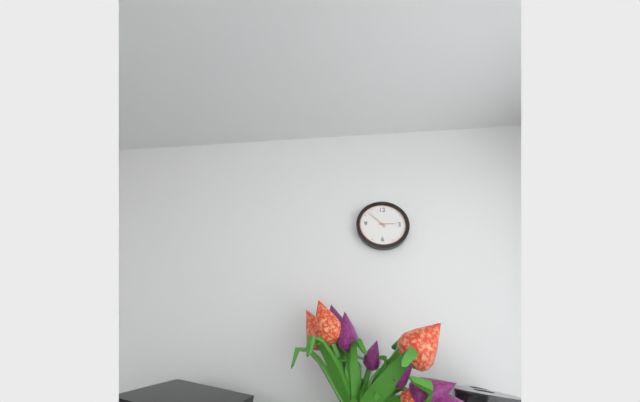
2:52
